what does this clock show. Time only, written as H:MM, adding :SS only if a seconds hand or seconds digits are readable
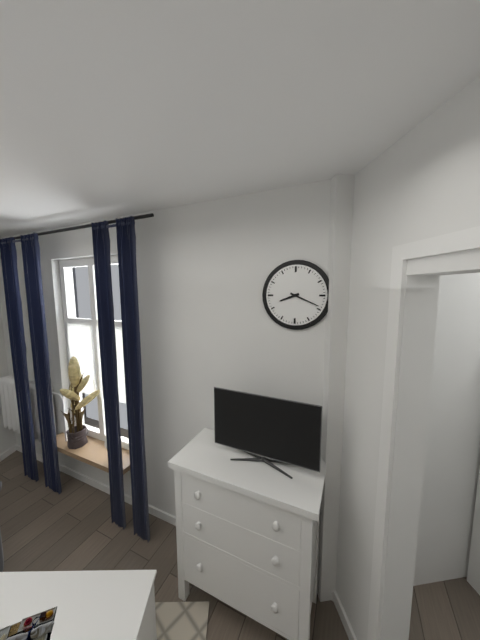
8:19
